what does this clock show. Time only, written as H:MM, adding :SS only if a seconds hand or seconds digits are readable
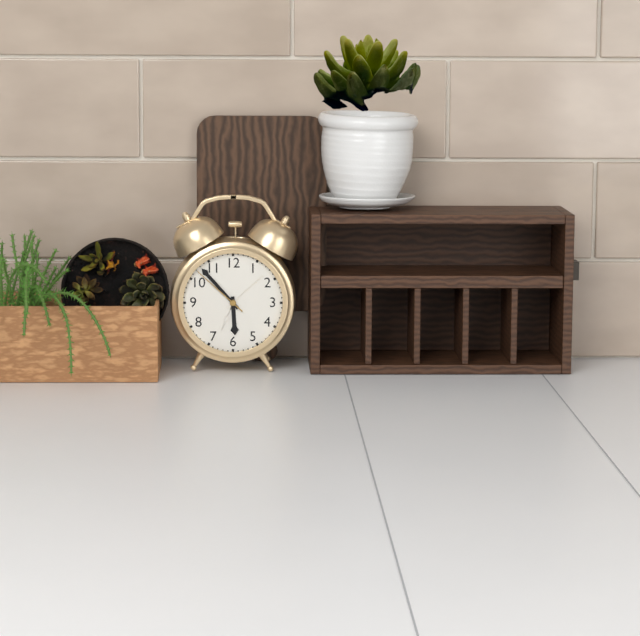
5:53:52
